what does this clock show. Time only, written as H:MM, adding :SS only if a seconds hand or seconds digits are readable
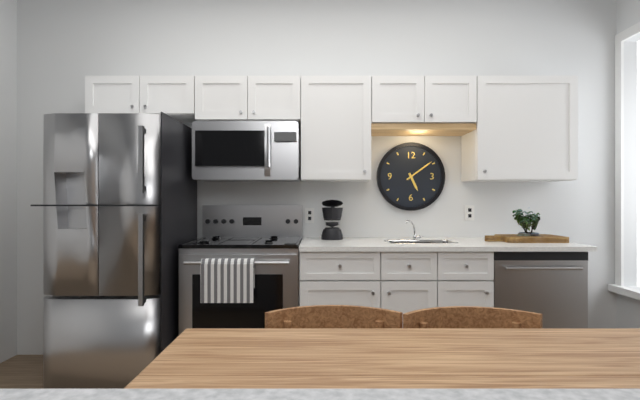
5:09
